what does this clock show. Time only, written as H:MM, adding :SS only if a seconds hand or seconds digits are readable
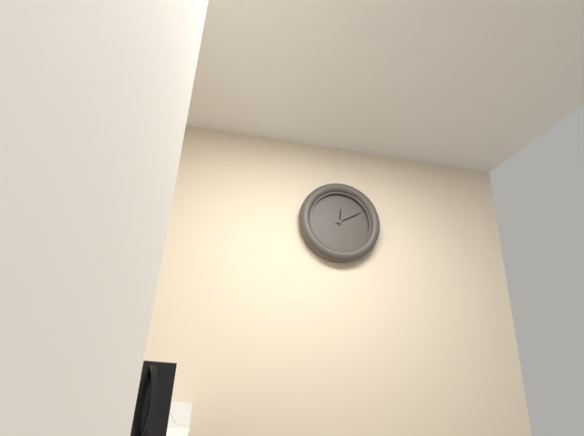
12:10
